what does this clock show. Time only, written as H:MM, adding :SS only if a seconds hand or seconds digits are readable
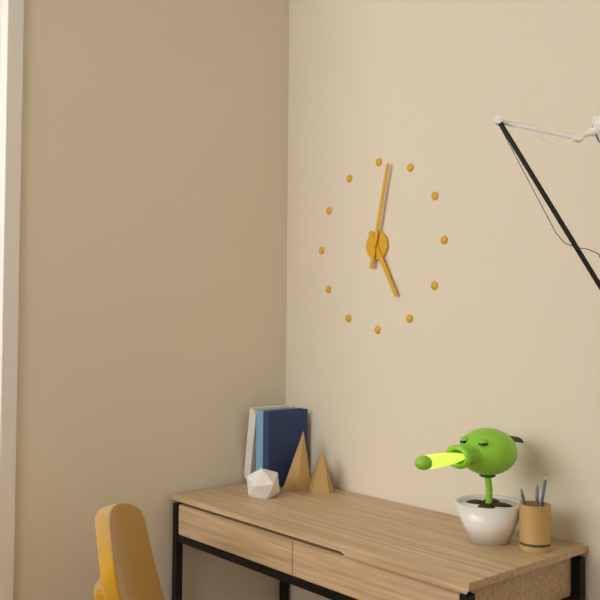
5:02
